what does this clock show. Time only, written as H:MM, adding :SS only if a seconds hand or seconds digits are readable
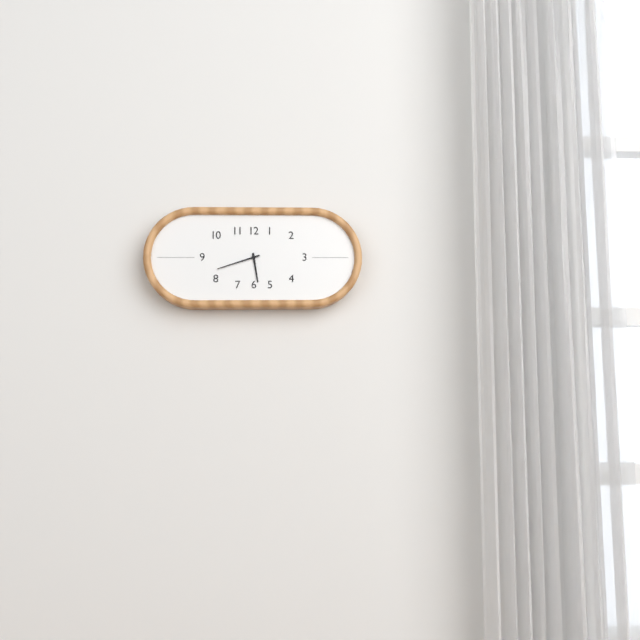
5:42
